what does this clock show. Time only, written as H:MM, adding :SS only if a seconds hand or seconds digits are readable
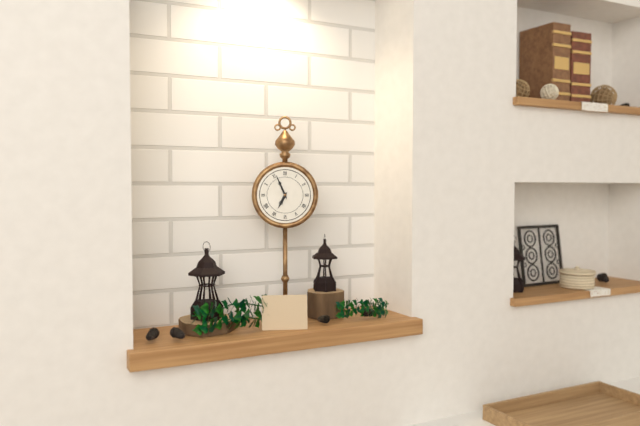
6:56
